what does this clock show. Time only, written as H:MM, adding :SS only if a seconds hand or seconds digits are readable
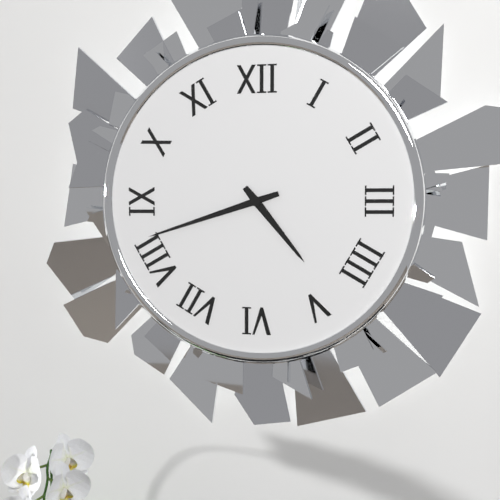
4:42
